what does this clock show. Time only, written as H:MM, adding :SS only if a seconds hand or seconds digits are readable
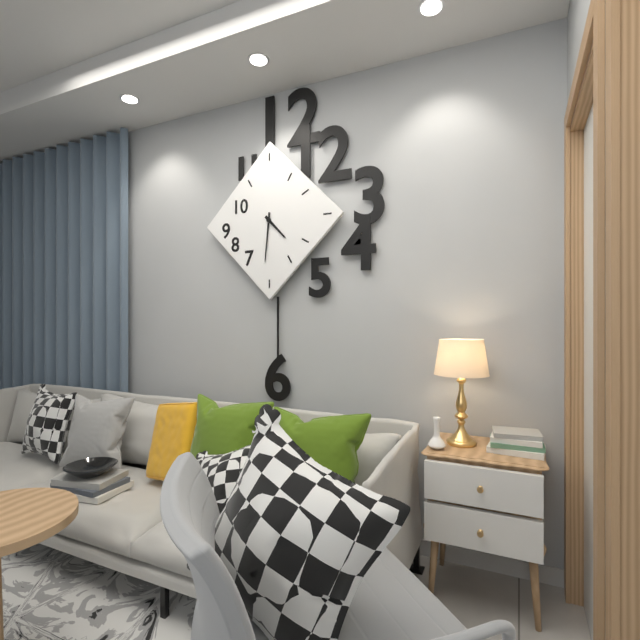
4:31
